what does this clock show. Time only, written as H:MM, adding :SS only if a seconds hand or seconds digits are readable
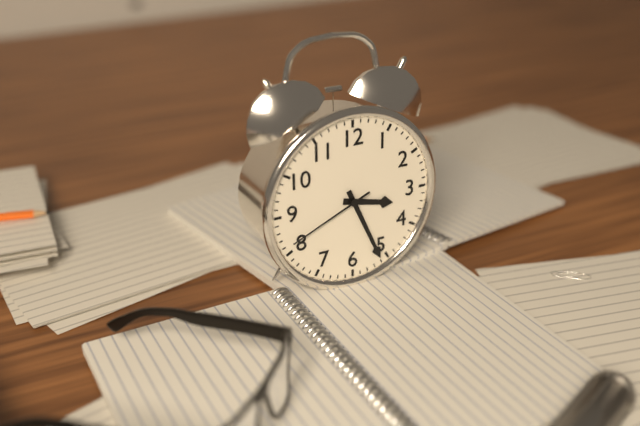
3:26:41
